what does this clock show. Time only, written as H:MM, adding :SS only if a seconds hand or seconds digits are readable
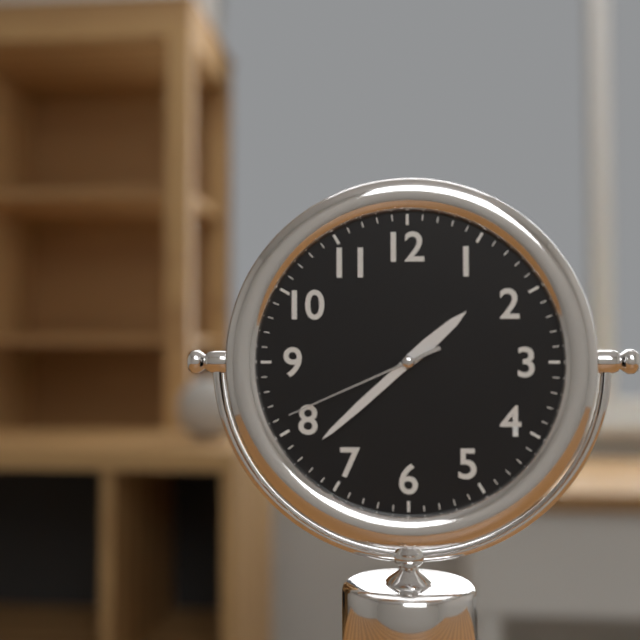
1:38:41
